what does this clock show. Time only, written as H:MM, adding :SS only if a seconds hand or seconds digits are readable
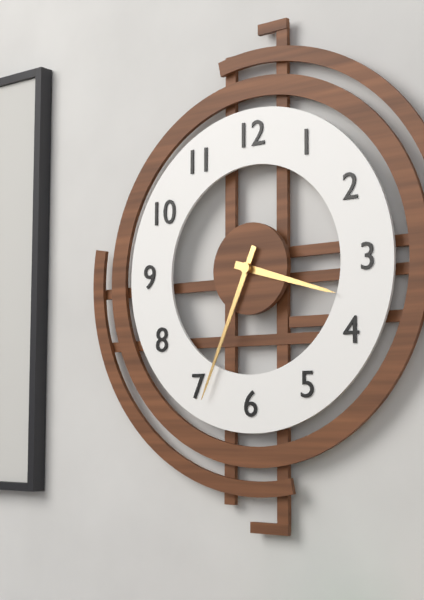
3:34
